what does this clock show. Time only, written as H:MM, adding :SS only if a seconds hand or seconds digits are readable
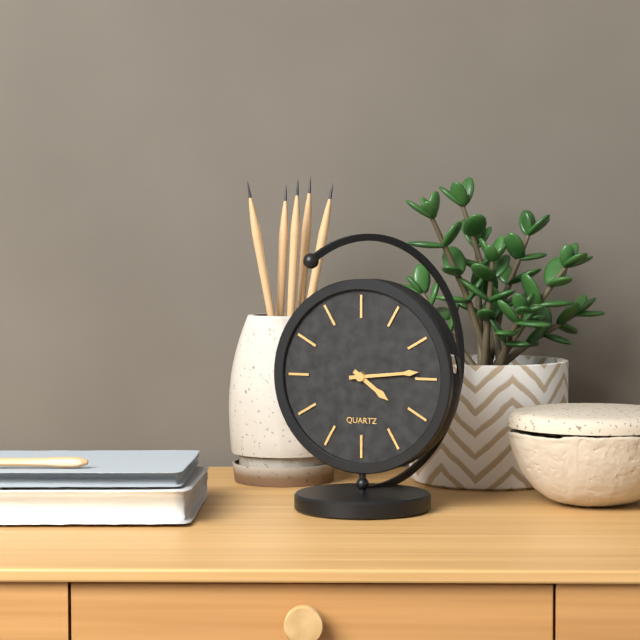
4:14
